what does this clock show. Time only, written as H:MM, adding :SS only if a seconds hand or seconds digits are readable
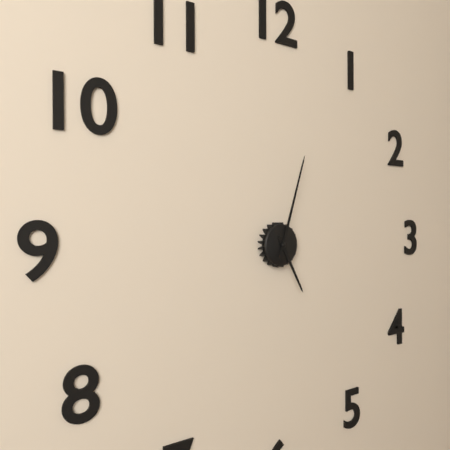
5:03
